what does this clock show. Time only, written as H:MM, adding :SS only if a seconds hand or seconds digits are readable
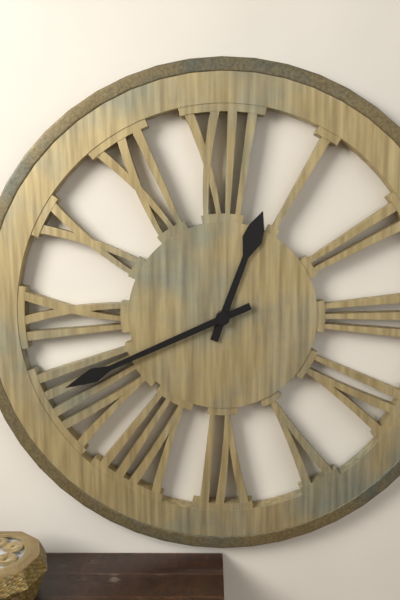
12:41
